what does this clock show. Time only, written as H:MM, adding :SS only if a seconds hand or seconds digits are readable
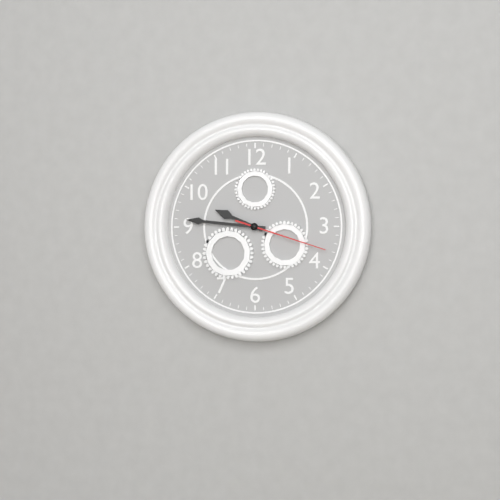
9:46:18
